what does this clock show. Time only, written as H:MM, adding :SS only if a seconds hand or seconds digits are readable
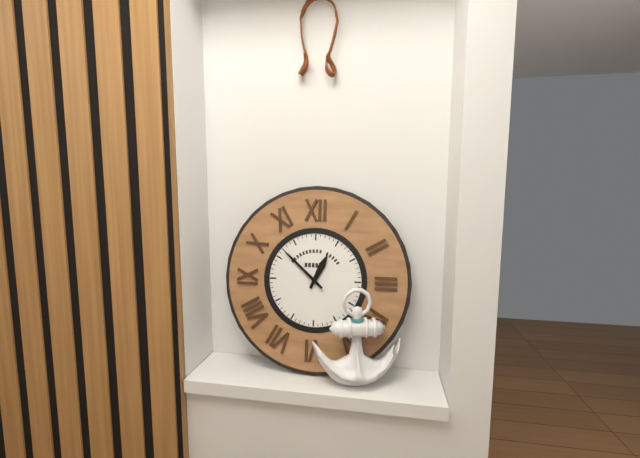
12:52
